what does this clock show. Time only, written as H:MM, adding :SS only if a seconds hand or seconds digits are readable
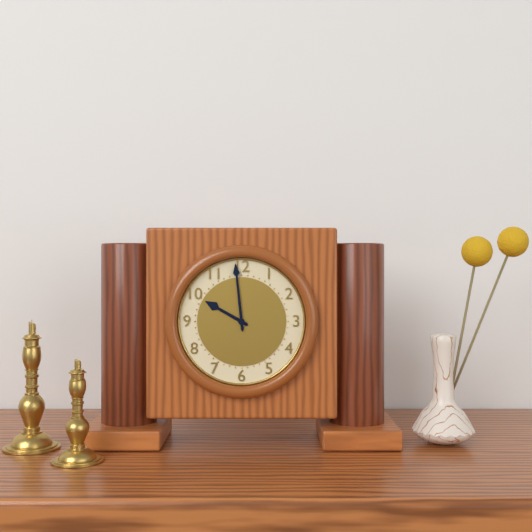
9:59
